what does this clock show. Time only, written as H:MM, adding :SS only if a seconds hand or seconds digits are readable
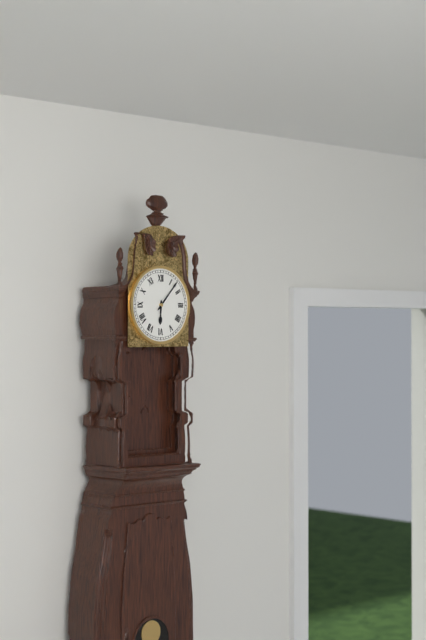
6:07
